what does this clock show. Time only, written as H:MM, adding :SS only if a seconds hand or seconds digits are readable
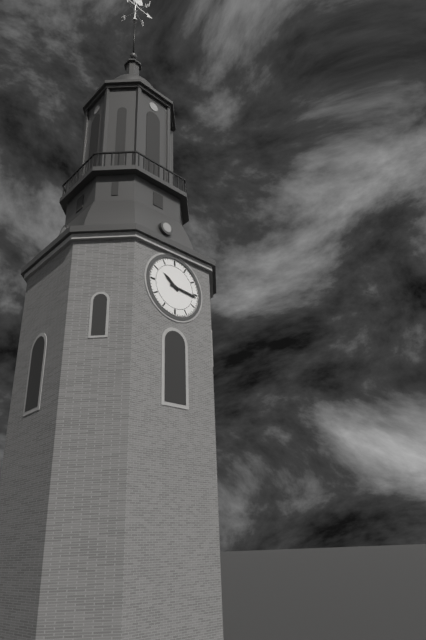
10:16
